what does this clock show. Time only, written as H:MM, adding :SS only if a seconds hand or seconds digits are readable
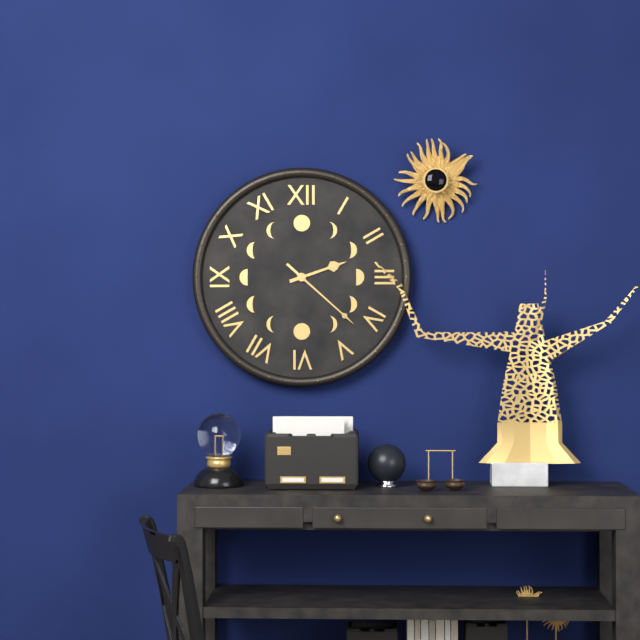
2:22
